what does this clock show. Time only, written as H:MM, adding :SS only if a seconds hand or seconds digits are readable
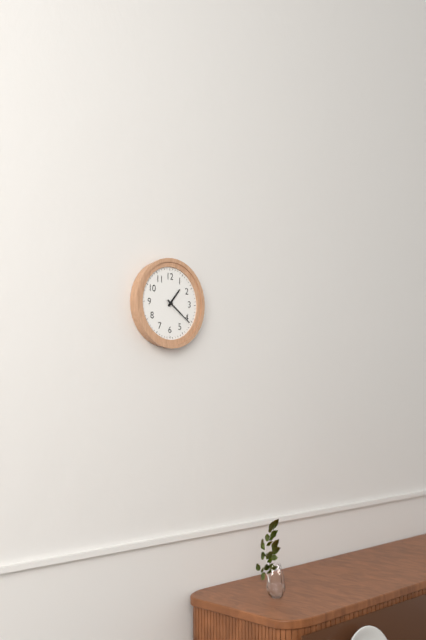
1:21
